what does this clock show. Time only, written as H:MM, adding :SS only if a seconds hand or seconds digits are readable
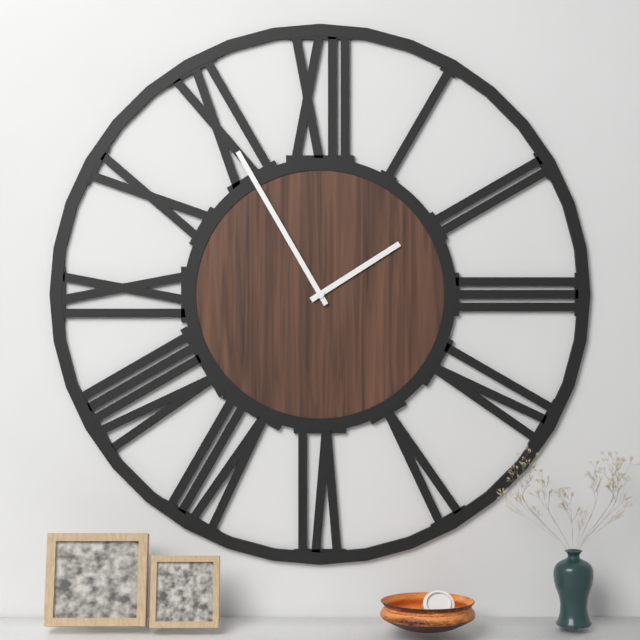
1:55
